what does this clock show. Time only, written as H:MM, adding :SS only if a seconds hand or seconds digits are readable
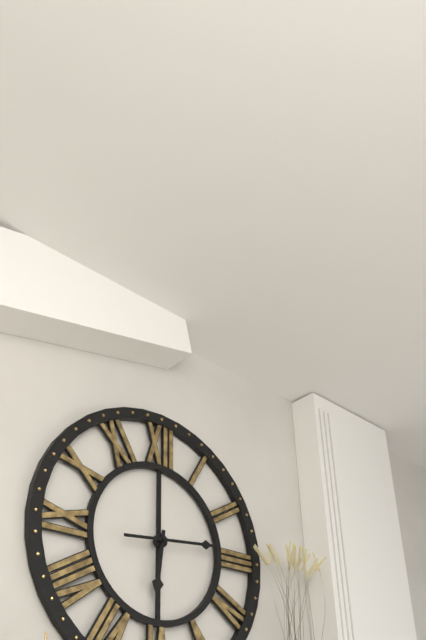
6:14
